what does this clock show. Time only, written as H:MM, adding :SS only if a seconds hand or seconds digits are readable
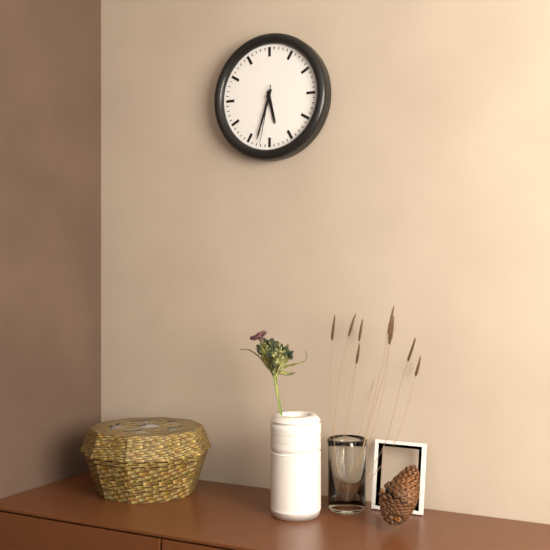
5:33:32
